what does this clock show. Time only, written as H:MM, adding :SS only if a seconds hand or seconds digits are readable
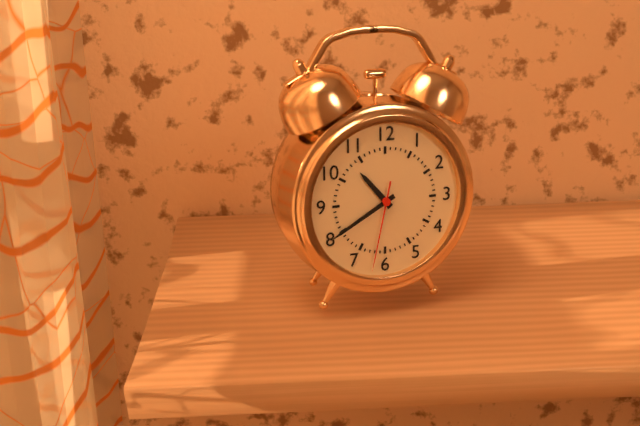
10:40:32
